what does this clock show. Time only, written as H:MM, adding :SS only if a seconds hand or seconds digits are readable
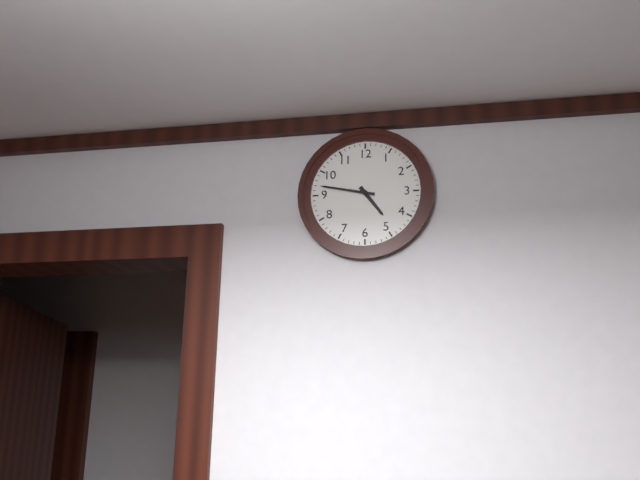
4:47
